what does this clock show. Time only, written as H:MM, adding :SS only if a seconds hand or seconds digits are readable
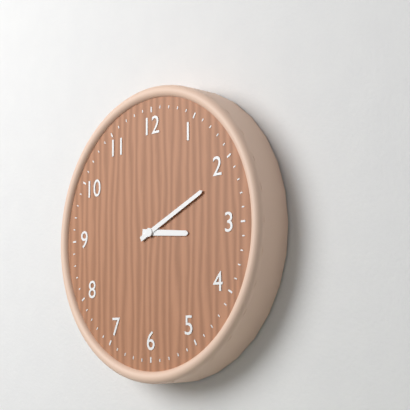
3:11
